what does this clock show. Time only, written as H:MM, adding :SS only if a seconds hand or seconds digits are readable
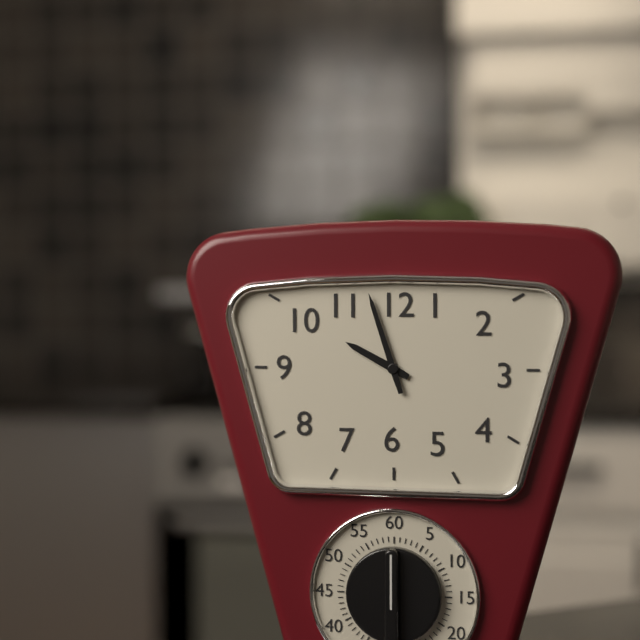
9:57
